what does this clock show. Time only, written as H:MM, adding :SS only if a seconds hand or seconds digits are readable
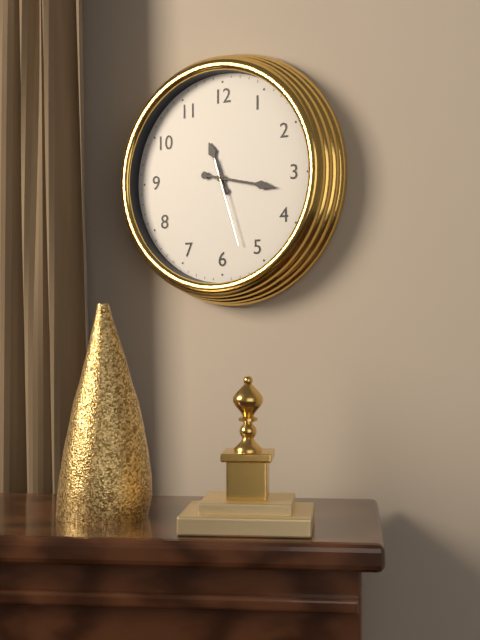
11:17:27
